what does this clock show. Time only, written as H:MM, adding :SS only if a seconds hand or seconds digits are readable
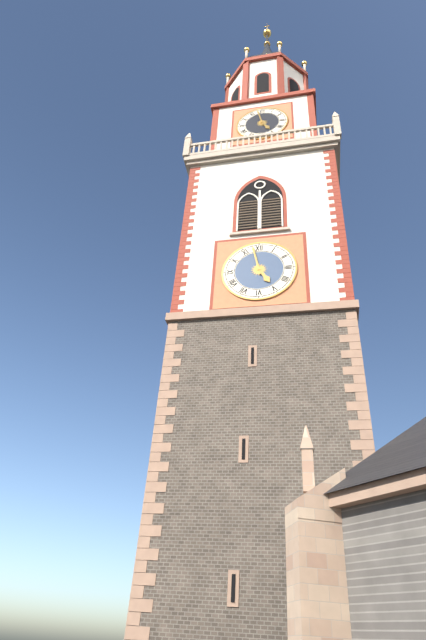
4:58
